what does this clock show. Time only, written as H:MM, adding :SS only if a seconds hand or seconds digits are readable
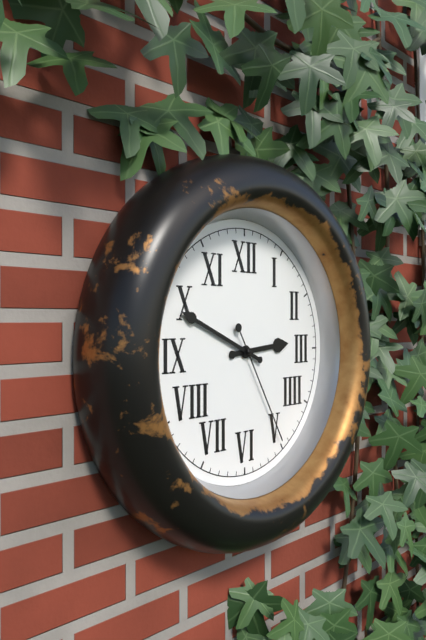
2:49:25
